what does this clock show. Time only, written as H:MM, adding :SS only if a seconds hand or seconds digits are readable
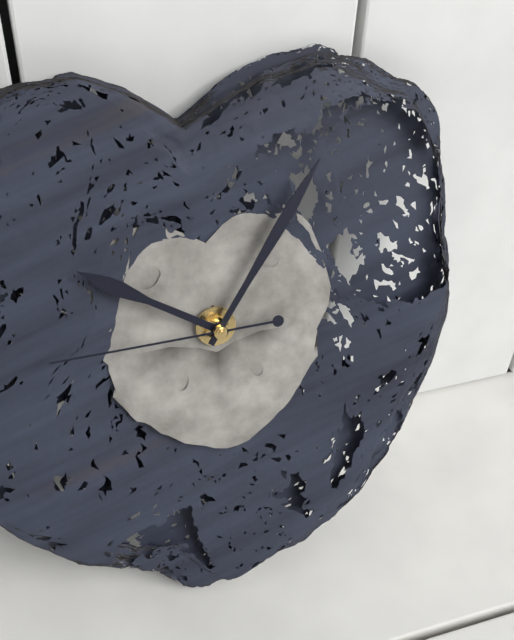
10:06:45
